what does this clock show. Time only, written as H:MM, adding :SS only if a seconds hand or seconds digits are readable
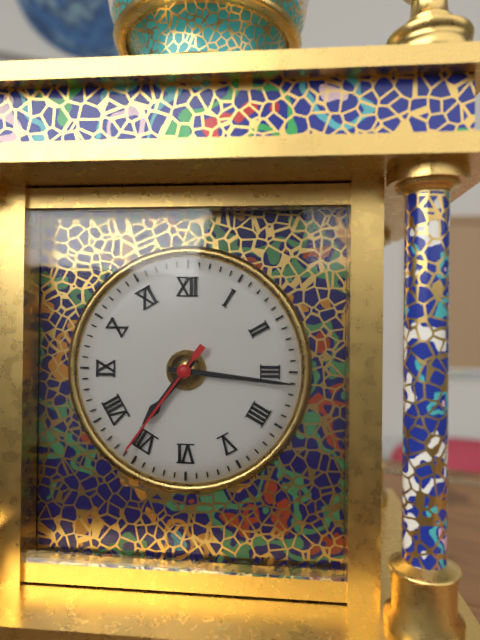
7:16:36
